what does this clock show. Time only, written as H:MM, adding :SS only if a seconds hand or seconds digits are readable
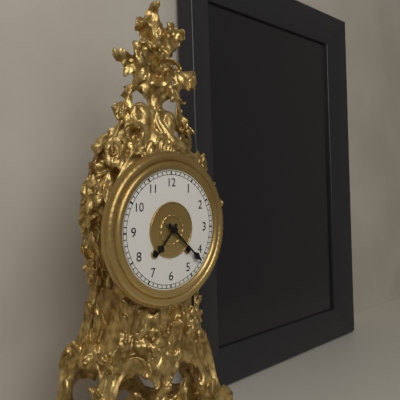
7:22
